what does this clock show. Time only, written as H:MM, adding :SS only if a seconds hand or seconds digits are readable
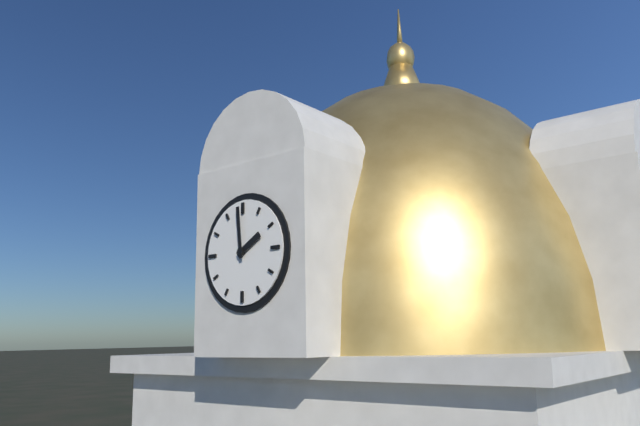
1:59
